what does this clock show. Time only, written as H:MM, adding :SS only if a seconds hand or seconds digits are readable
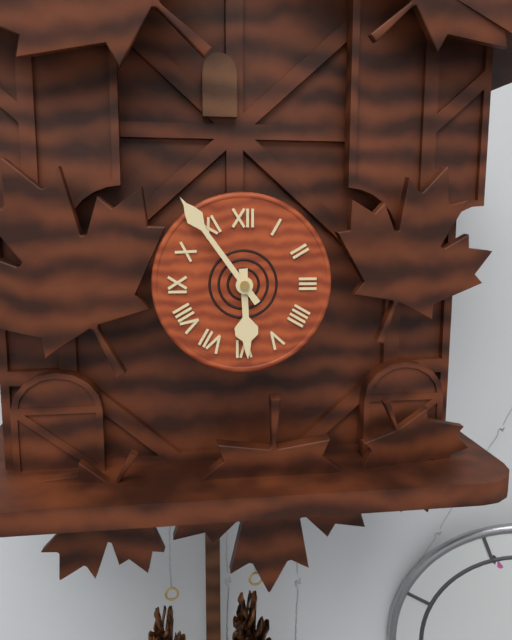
5:54
